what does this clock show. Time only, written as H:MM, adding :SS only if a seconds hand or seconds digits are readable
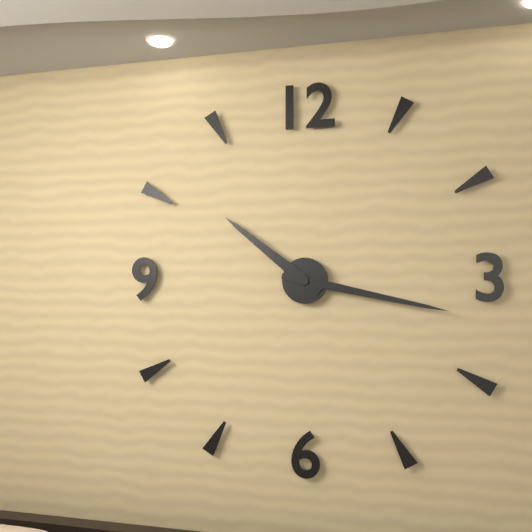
10:17
